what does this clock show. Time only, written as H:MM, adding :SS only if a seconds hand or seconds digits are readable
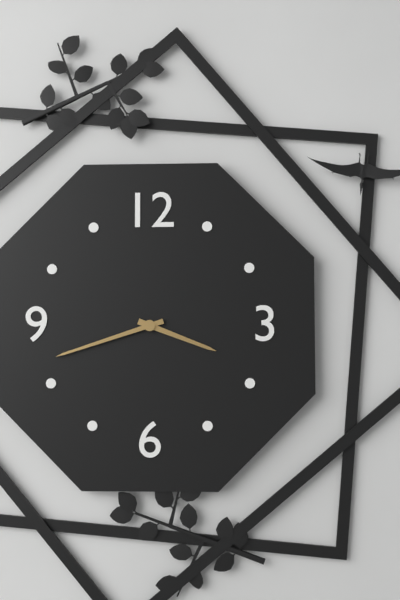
3:42
